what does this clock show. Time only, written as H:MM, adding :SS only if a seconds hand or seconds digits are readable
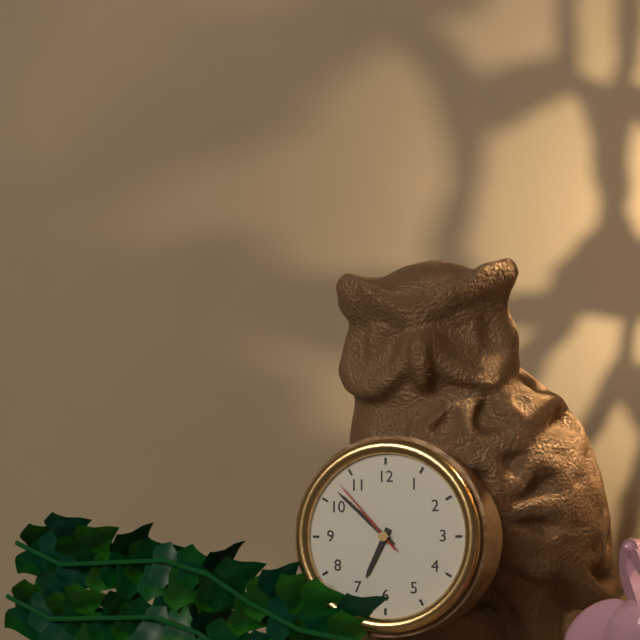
6:52:53
